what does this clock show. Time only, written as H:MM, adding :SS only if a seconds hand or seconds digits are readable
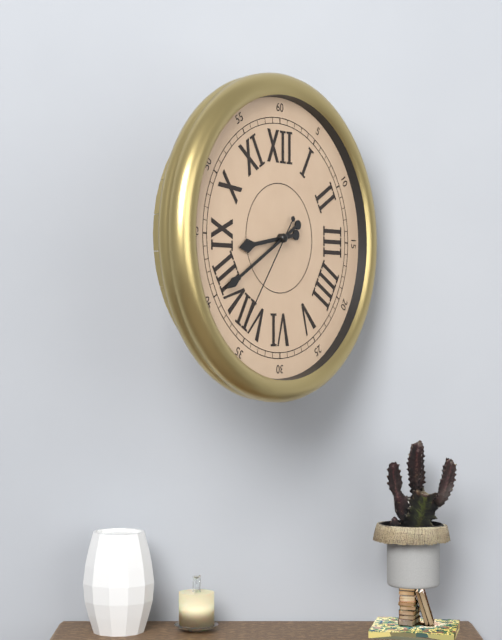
8:40:36
